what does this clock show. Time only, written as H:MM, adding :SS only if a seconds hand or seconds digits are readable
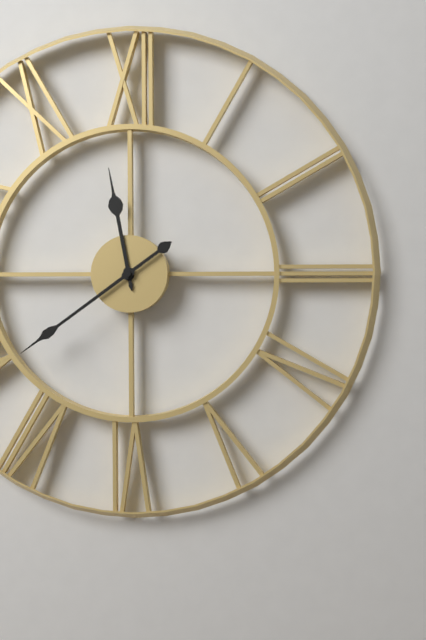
11:39
